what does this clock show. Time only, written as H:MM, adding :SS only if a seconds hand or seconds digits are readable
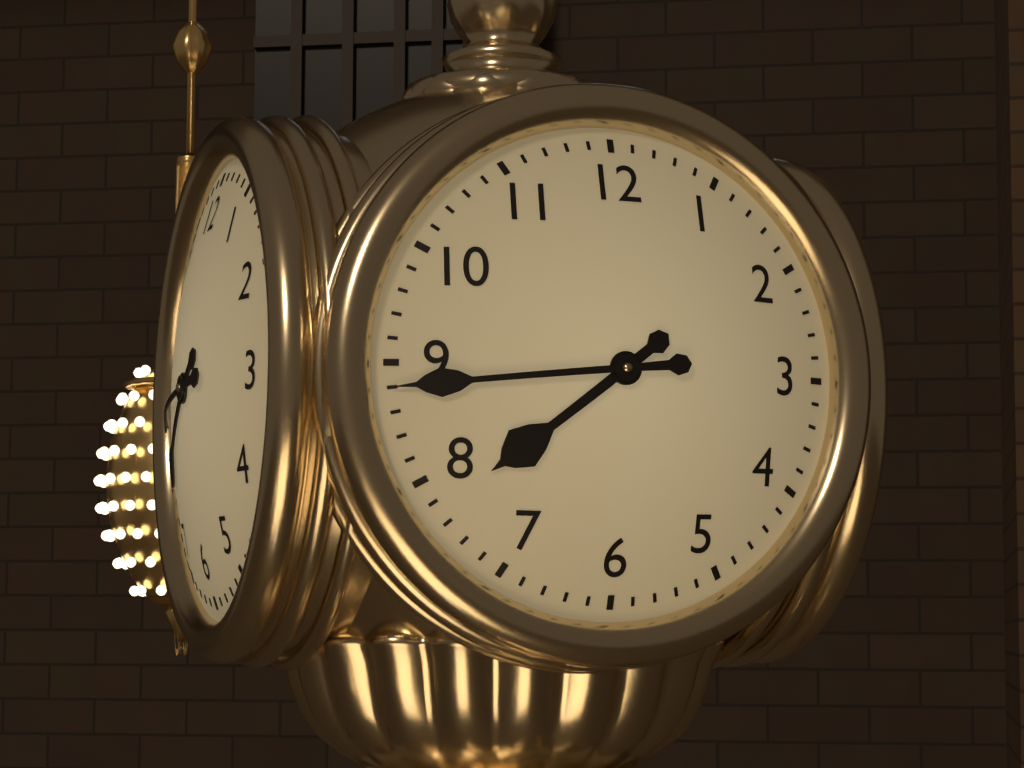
7:44
